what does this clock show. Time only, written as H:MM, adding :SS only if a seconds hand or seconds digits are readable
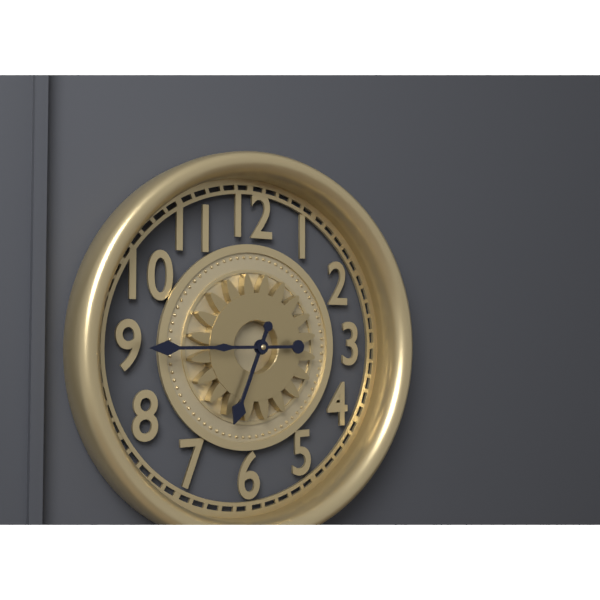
6:45
